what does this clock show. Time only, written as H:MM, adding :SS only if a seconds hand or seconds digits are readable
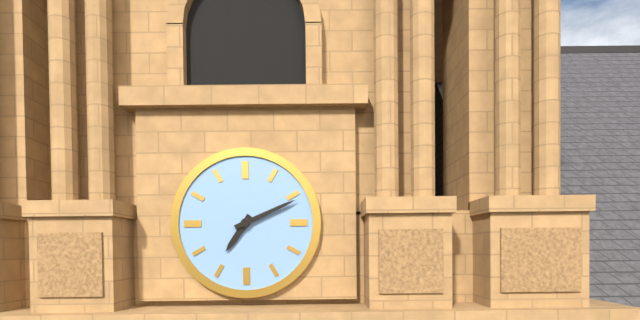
7:11
